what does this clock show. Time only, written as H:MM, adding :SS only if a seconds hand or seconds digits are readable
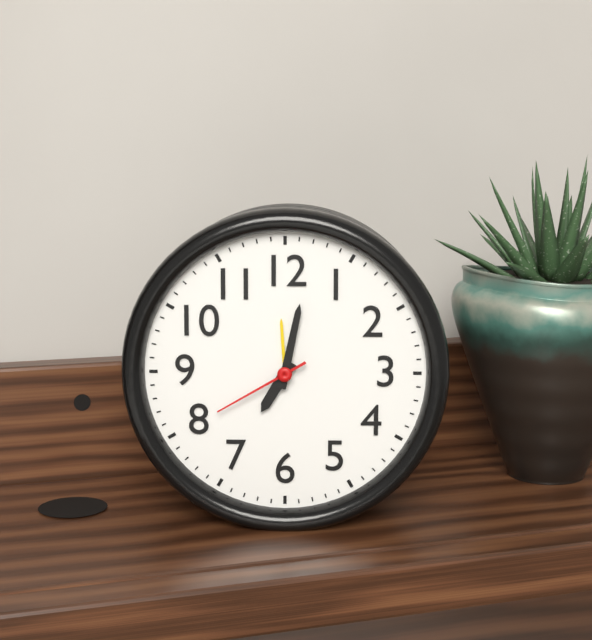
7:02:40
